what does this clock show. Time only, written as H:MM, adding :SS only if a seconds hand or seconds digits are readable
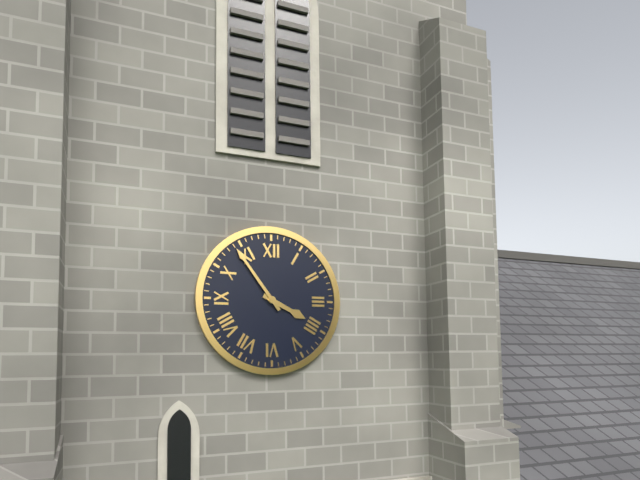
3:54
